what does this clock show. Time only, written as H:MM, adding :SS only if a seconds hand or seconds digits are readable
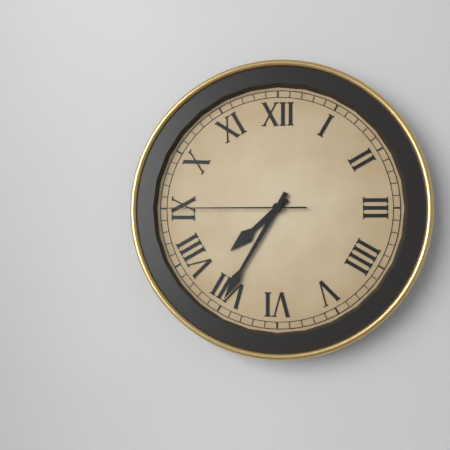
7:35:45
